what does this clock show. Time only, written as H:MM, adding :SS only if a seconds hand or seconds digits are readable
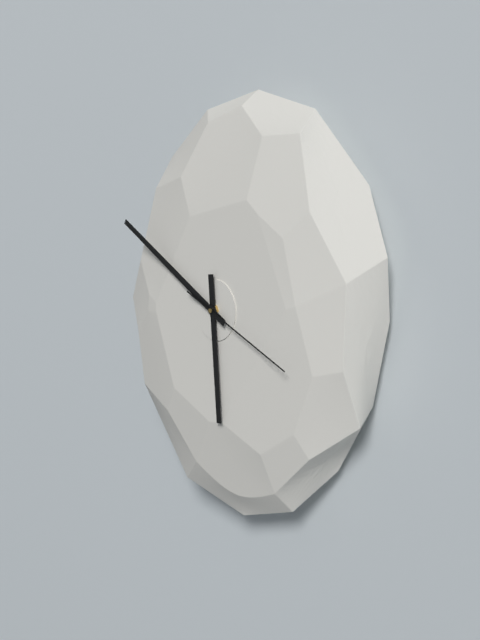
5:50:19
